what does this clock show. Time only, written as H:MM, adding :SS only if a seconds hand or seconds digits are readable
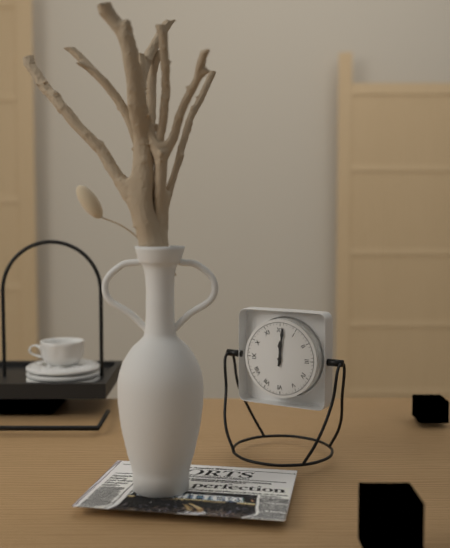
12:01
